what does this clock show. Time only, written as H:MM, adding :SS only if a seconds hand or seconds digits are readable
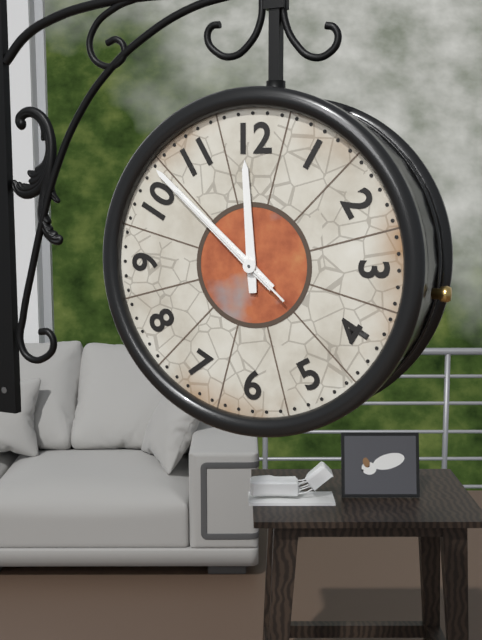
11:52:52
